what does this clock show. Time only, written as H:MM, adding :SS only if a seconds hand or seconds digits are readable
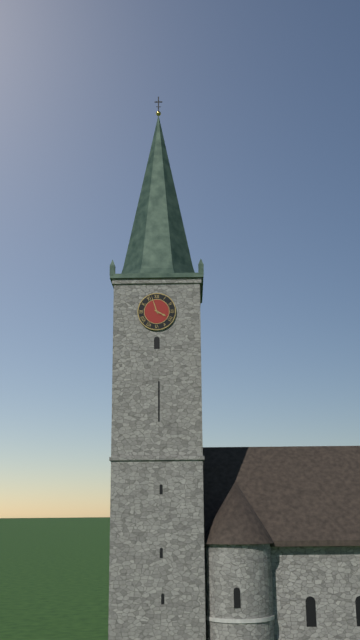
3:57
